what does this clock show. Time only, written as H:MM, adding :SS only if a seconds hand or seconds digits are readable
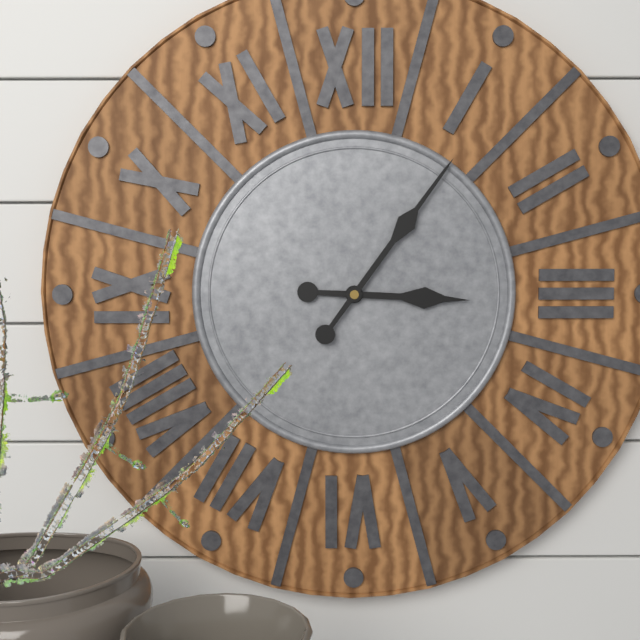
3:06
